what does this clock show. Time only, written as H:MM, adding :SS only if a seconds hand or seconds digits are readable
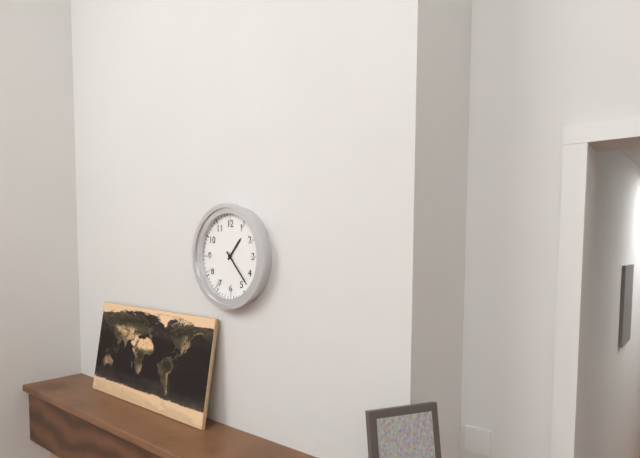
1:23
